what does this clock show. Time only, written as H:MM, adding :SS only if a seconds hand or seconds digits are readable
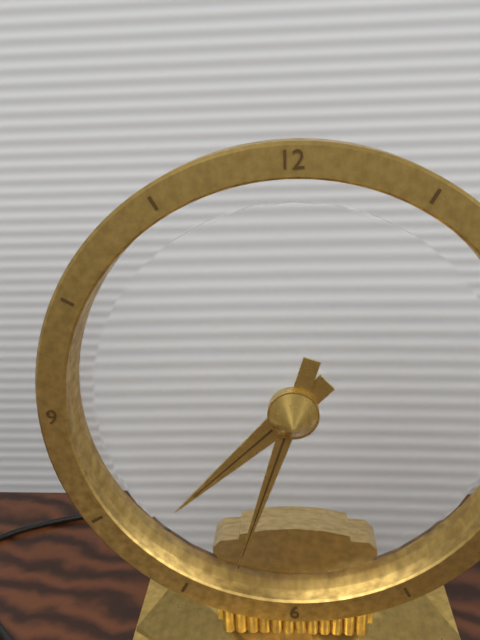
7:33
